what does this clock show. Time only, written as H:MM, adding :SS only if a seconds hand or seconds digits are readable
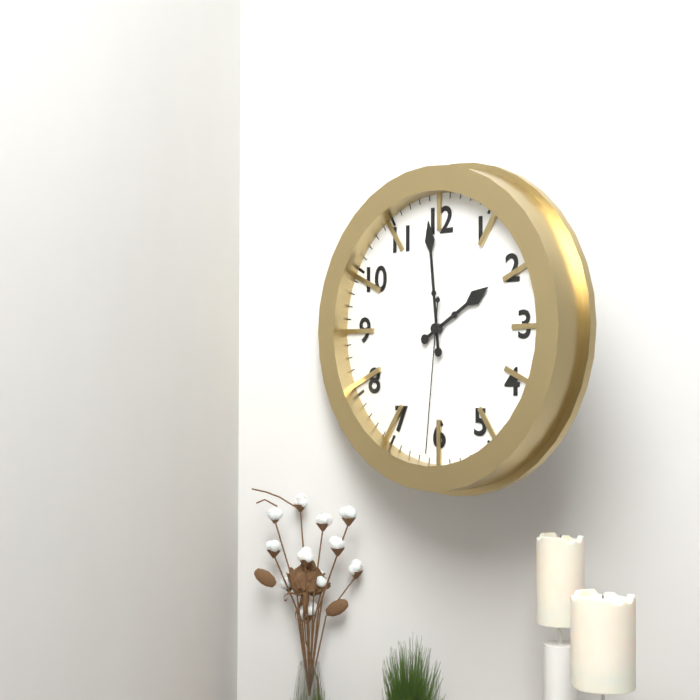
1:59:31
